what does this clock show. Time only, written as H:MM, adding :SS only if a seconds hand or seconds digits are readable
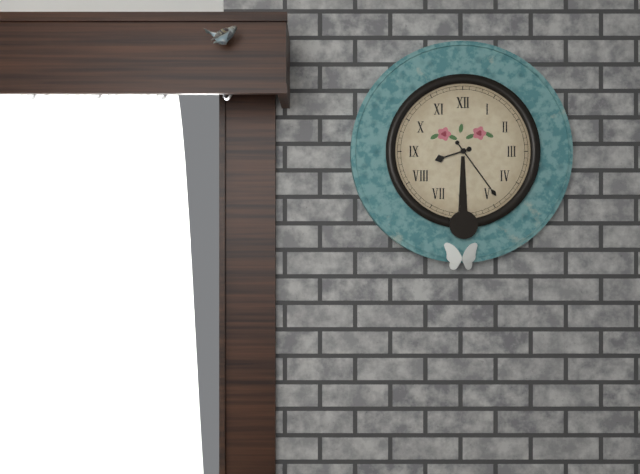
8:24
